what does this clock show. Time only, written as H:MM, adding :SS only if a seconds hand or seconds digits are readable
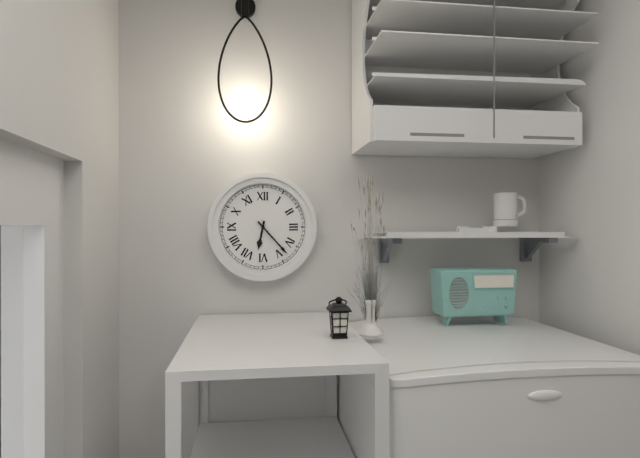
6:23
